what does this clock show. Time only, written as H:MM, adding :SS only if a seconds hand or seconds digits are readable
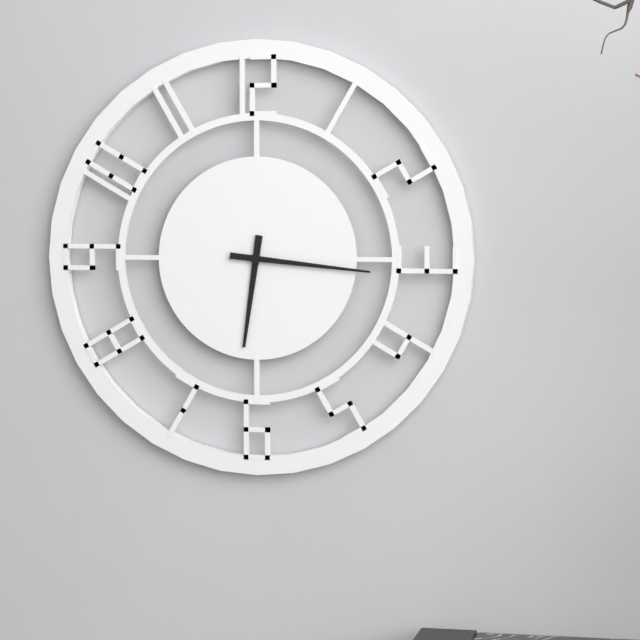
6:16
